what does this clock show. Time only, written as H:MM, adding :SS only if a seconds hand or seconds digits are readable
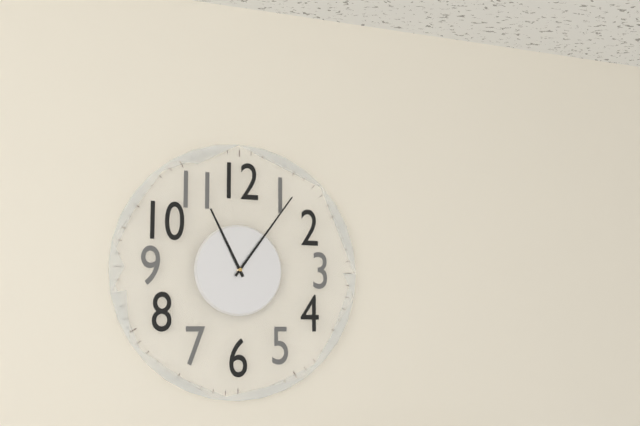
11:06
